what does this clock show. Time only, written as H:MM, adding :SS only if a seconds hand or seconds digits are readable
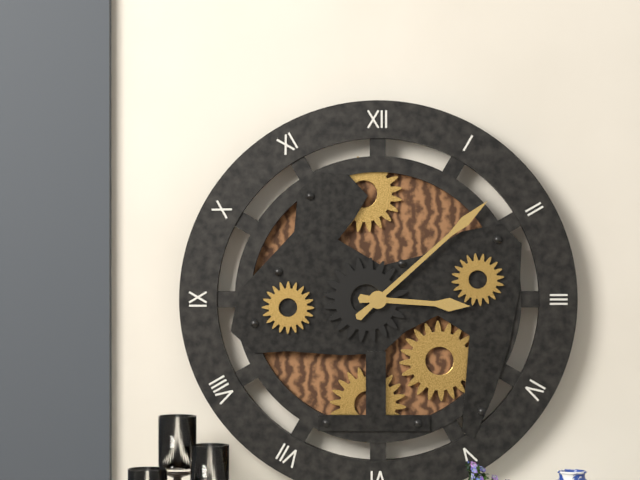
3:08
